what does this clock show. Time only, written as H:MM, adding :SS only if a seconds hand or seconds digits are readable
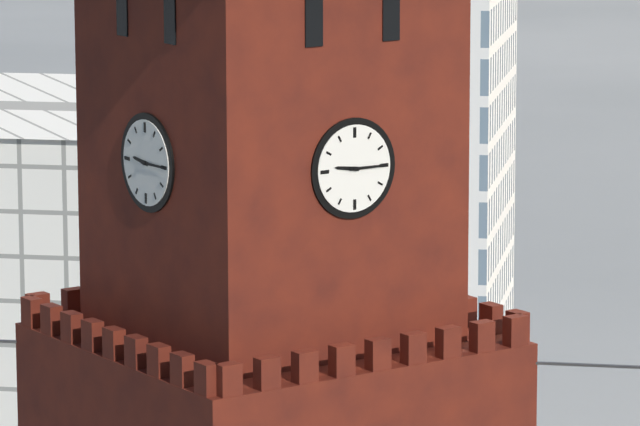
9:15
